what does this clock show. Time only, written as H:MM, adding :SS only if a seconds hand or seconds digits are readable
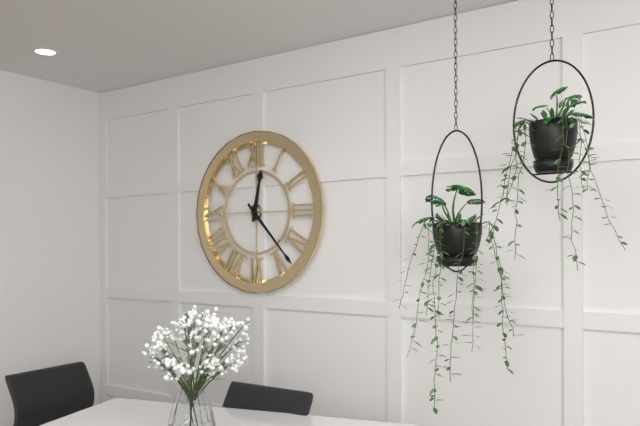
12:23
